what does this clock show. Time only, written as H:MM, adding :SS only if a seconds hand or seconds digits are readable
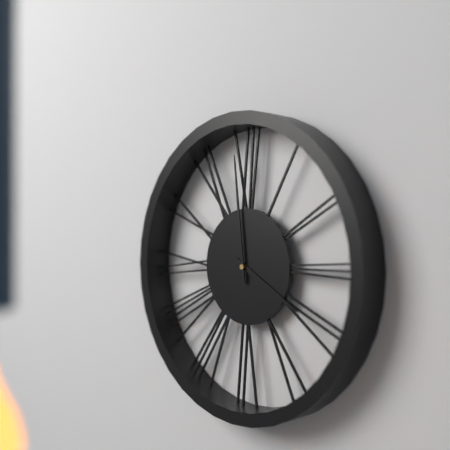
3:59
